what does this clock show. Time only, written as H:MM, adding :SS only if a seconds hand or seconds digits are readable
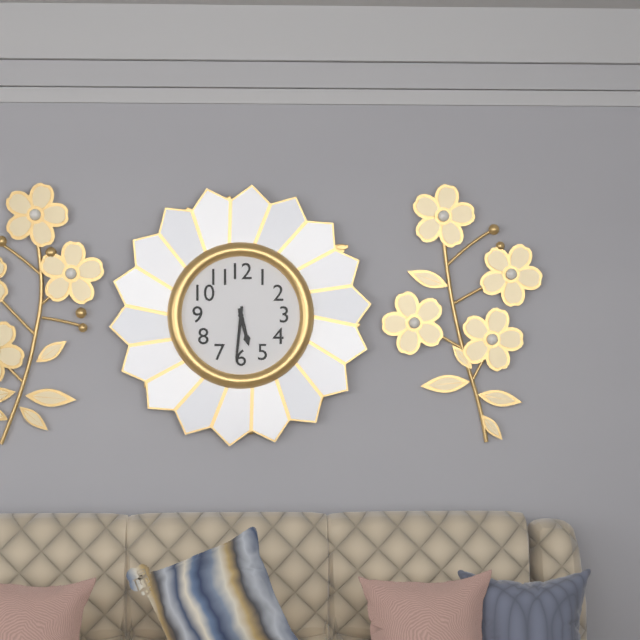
5:31
